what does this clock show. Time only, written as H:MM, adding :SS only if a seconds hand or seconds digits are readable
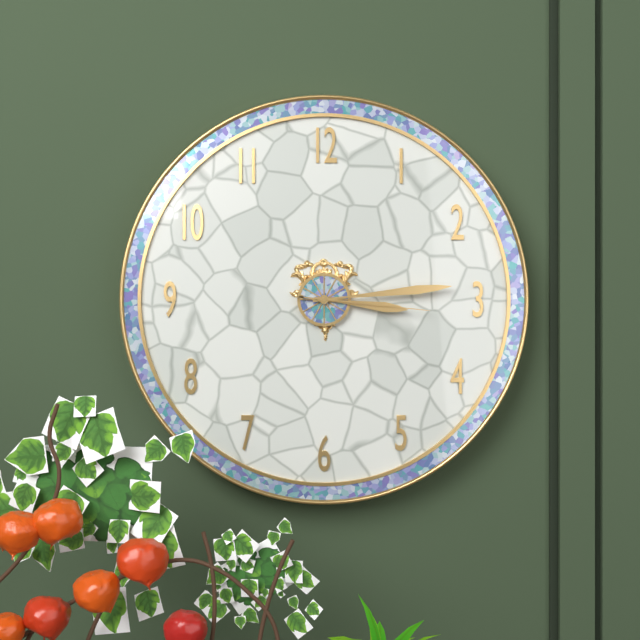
3:14:16
